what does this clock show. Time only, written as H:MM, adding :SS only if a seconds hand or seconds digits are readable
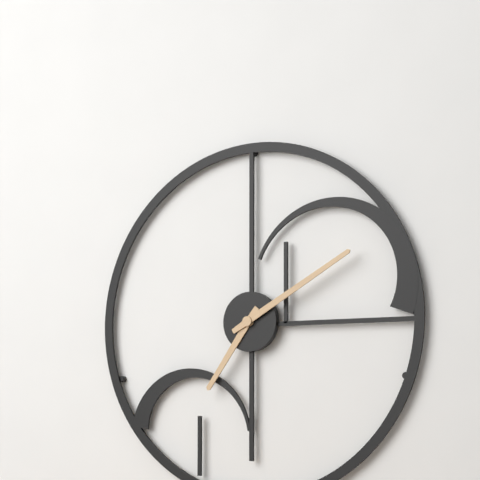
7:10
